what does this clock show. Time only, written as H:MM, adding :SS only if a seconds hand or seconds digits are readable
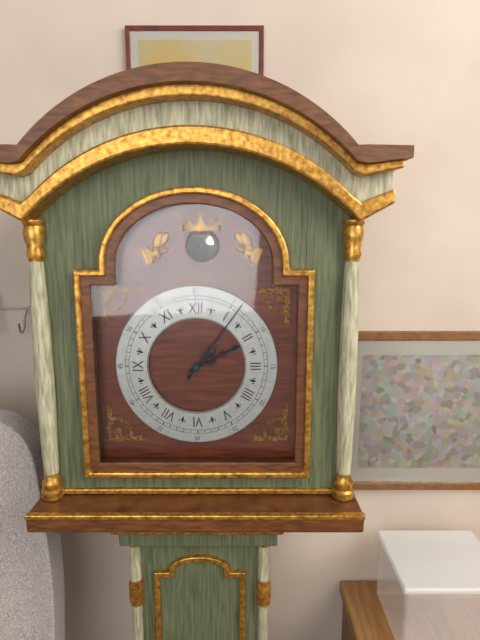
2:06
